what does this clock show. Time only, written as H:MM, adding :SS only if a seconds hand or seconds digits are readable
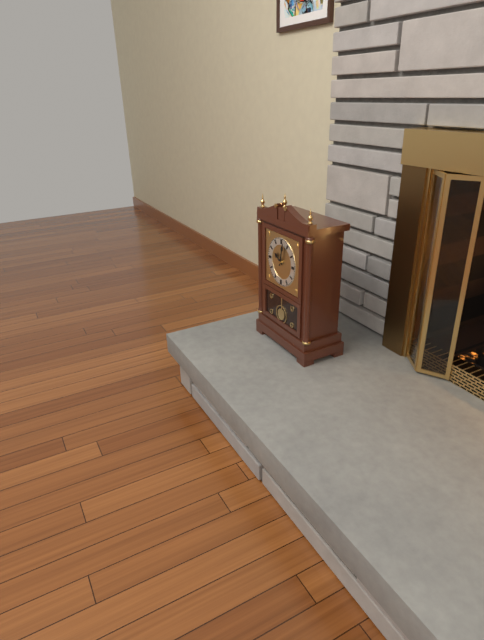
10:02
